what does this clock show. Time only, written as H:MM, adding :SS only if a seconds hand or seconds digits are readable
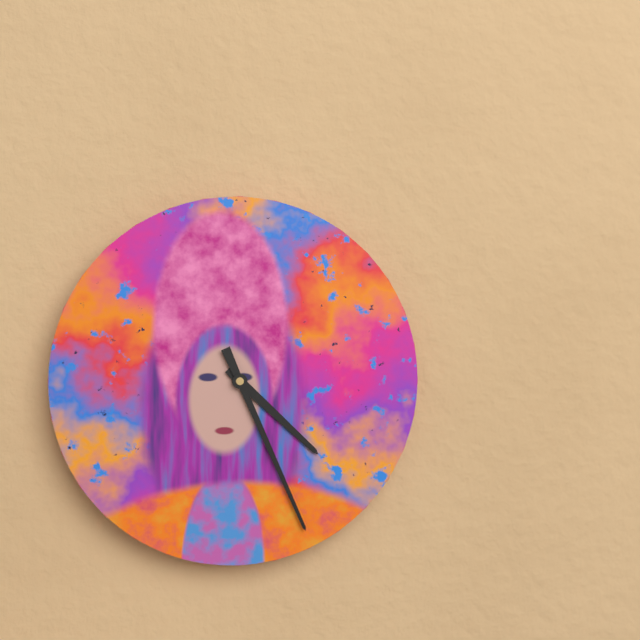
4:26
